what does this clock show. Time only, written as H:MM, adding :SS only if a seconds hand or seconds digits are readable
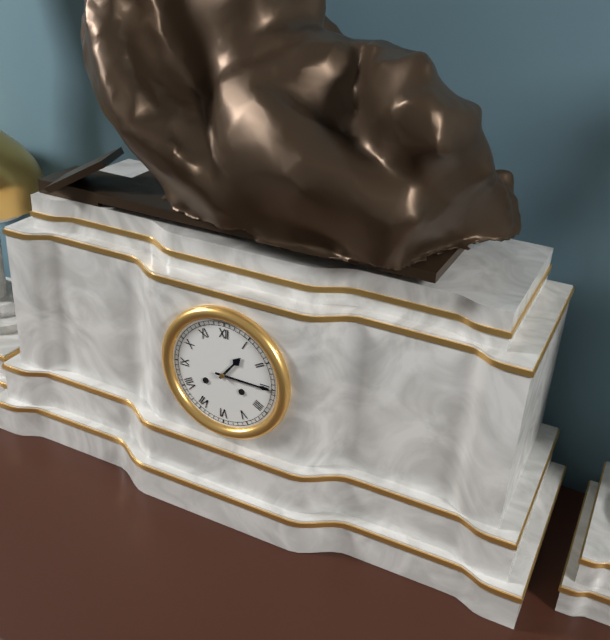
1:15
